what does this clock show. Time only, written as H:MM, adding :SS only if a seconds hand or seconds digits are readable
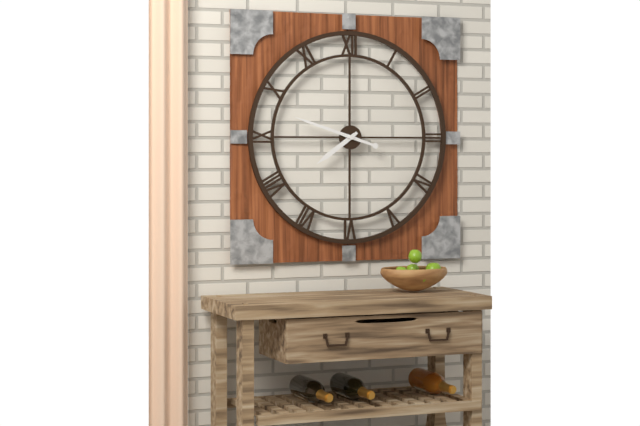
7:48
